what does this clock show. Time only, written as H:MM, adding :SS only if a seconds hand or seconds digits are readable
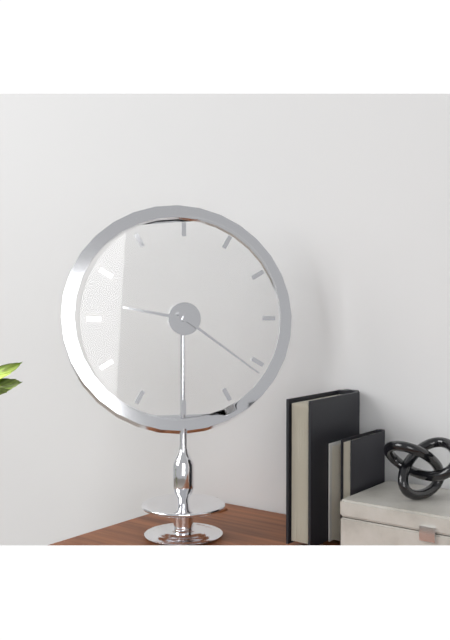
9:21
